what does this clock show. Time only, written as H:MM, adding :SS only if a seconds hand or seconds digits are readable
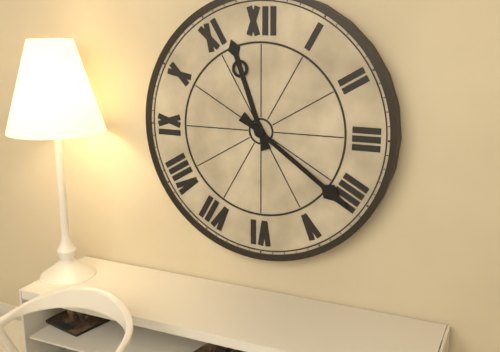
11:21
